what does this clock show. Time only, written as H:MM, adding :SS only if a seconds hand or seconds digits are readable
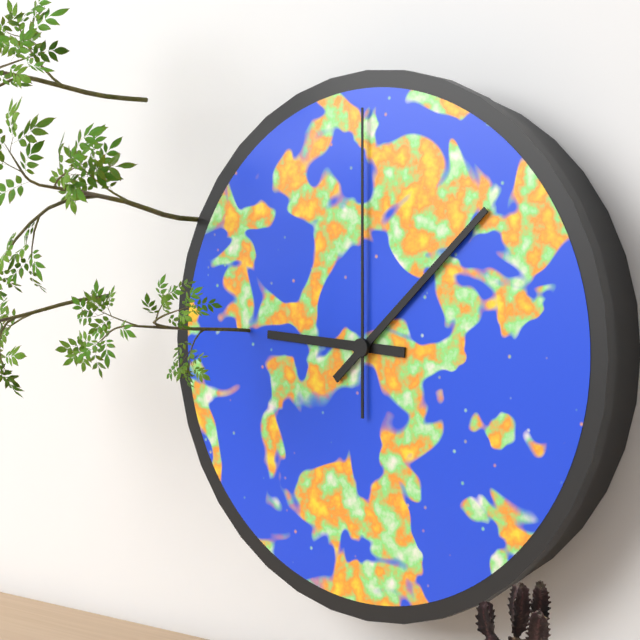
9:08:00
